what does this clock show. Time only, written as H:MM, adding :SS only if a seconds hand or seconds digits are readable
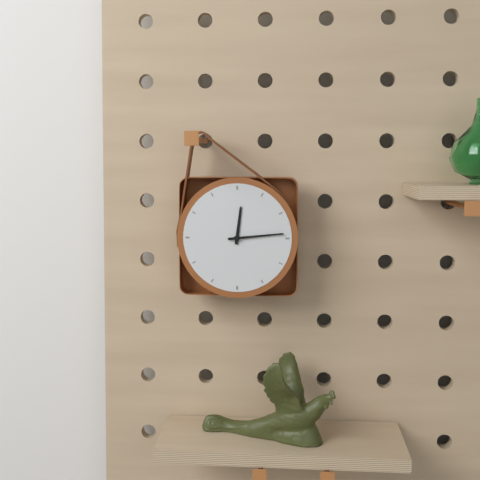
12:14
